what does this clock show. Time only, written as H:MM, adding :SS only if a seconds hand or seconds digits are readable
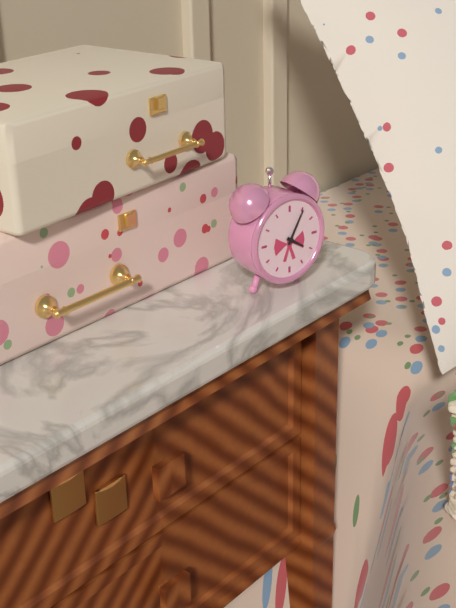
4:05
